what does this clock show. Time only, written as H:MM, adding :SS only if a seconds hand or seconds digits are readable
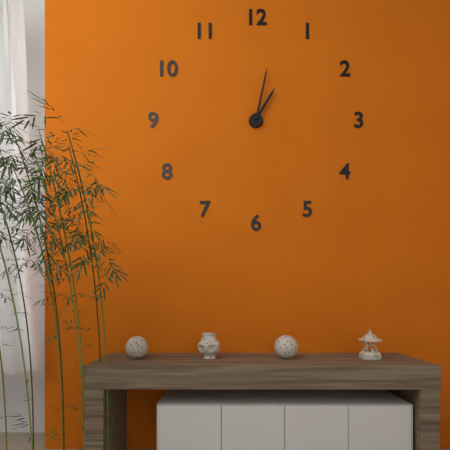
1:02
